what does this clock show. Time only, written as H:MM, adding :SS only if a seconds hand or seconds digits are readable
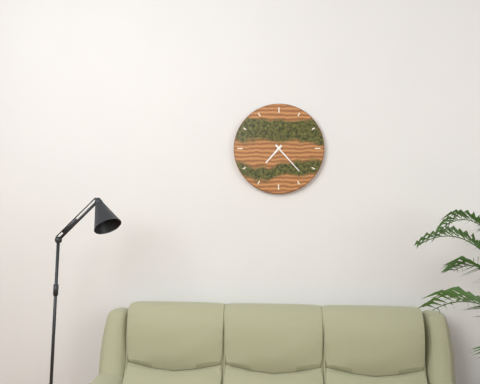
7:23
